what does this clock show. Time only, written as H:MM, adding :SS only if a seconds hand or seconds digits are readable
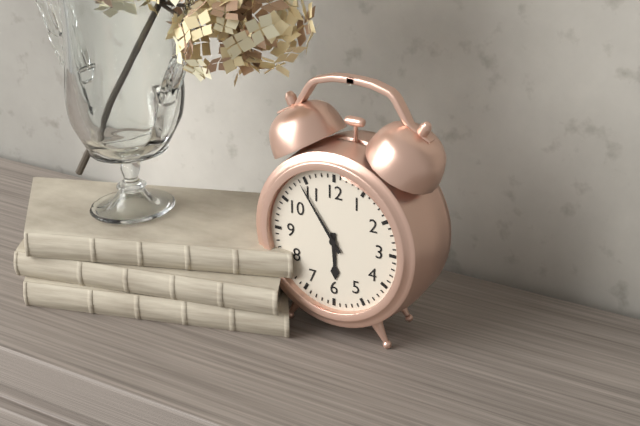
5:54
